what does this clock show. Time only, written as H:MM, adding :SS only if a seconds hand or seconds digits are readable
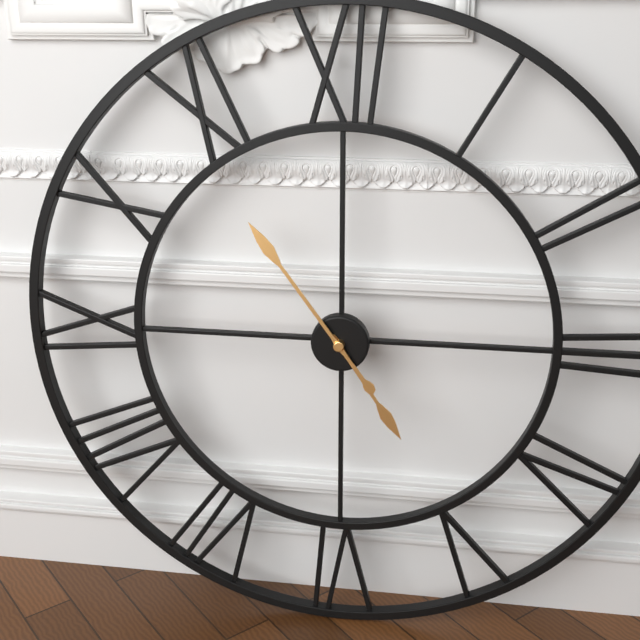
4:54
